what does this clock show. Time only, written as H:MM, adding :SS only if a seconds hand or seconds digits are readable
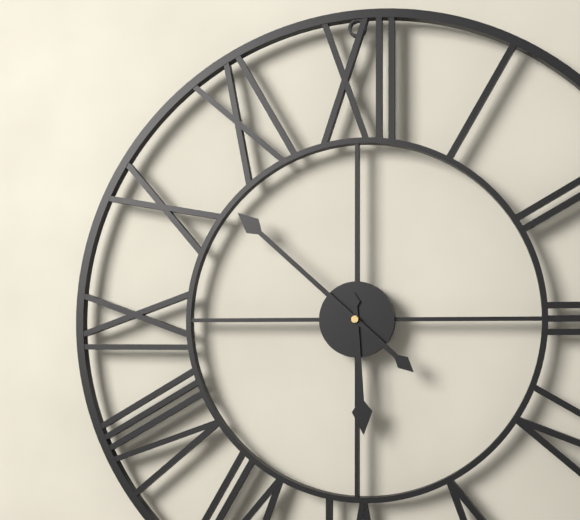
5:52
